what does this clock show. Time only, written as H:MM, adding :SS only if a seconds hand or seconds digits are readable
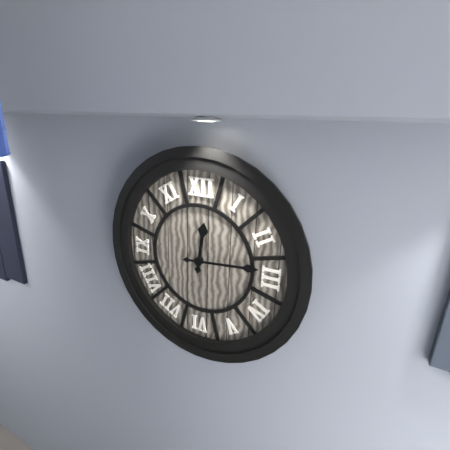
12:14
